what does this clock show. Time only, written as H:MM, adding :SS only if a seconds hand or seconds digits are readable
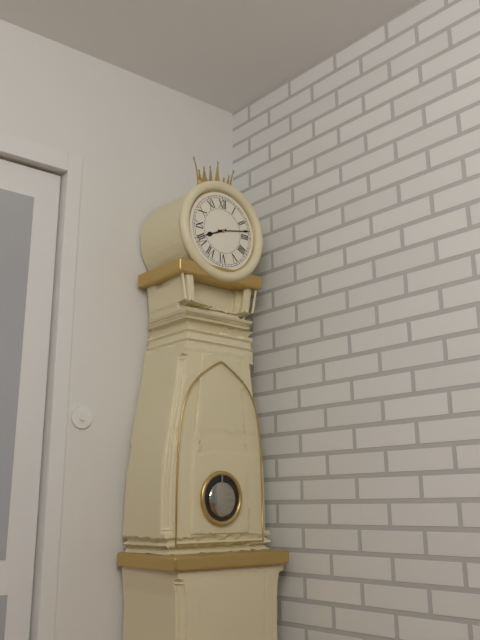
8:13
